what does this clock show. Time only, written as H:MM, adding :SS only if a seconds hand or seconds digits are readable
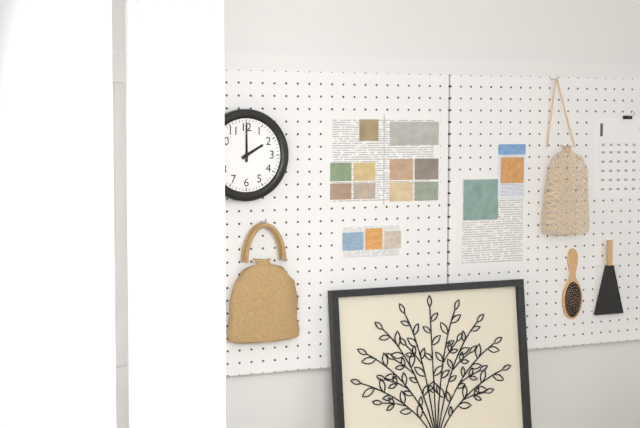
2:00
